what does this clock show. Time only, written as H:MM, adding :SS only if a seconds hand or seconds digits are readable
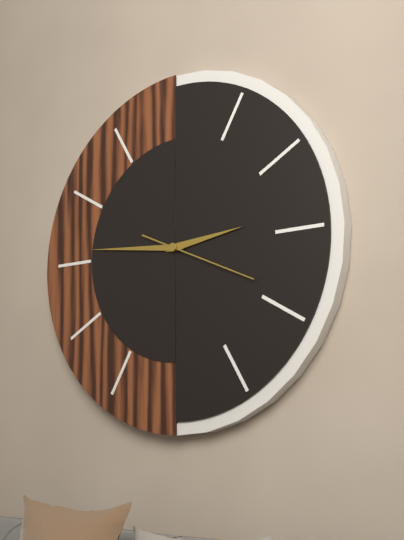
2:46:19
